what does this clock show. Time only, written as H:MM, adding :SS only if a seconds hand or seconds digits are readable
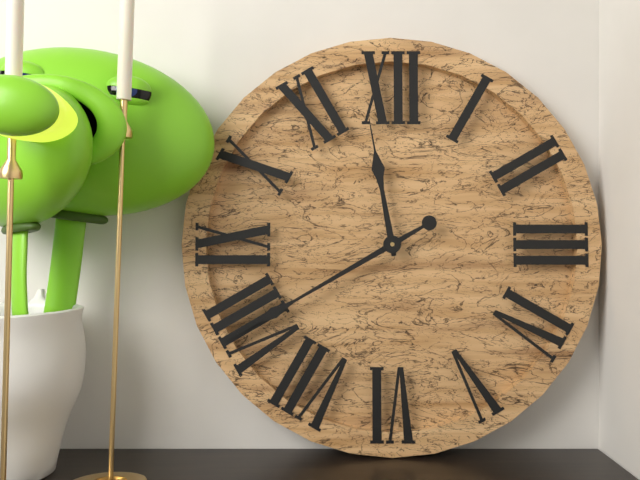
11:40
